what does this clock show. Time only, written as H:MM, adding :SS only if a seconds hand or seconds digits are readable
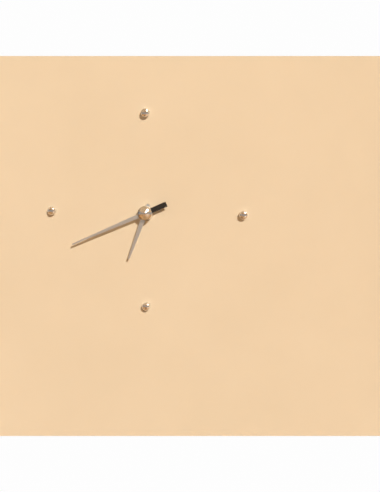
6:41
